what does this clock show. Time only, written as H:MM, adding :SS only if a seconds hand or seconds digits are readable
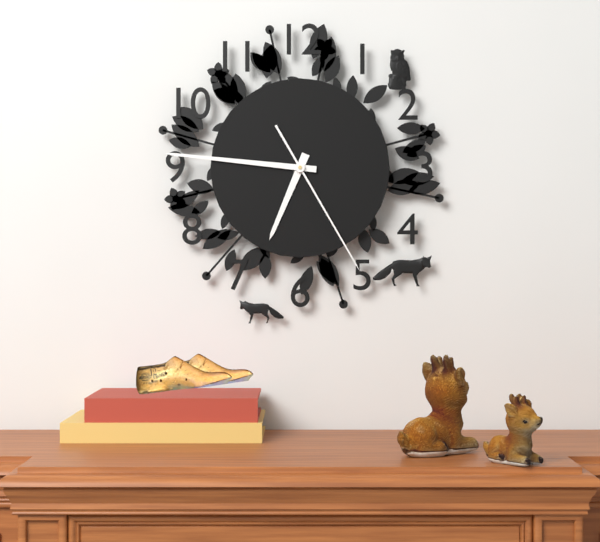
6:46:25
